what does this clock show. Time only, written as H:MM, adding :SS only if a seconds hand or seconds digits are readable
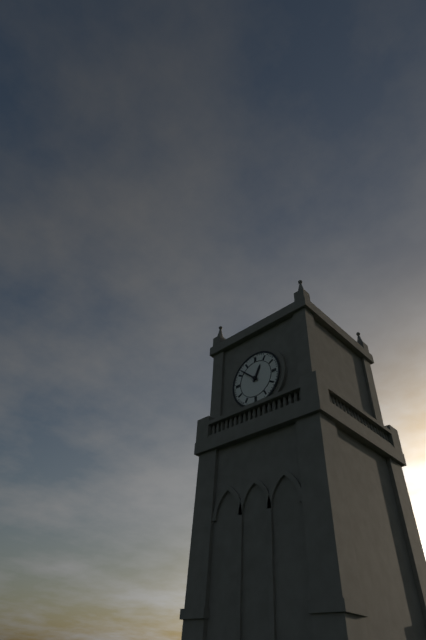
12:52
